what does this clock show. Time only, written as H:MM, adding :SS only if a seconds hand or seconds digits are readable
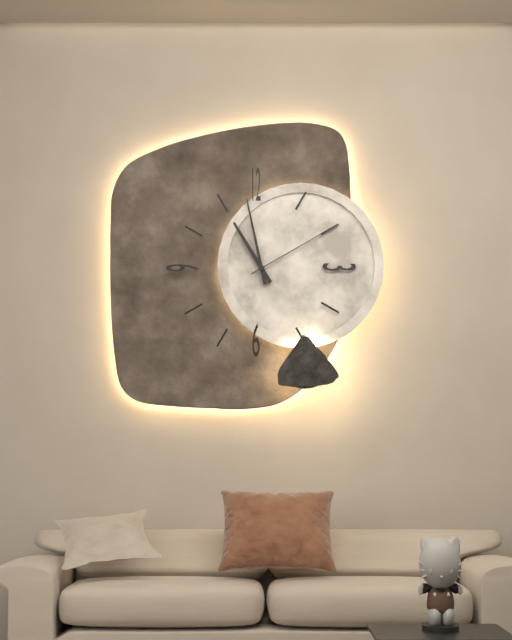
10:58:10
